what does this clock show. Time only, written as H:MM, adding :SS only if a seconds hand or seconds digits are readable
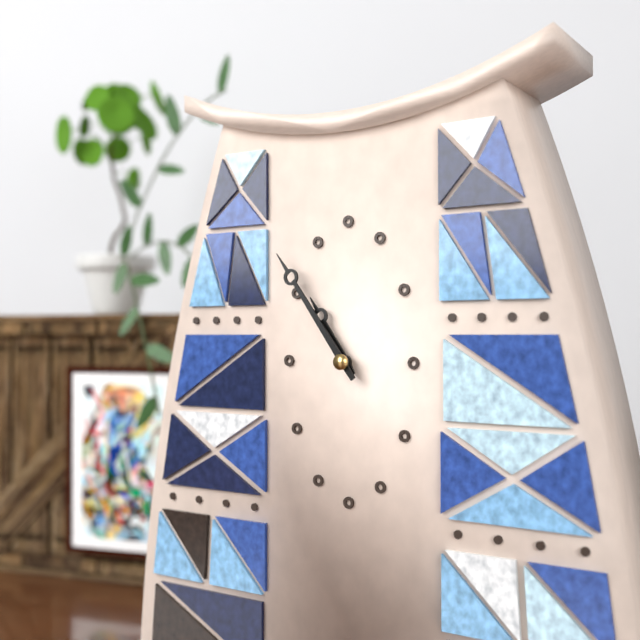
10:54
